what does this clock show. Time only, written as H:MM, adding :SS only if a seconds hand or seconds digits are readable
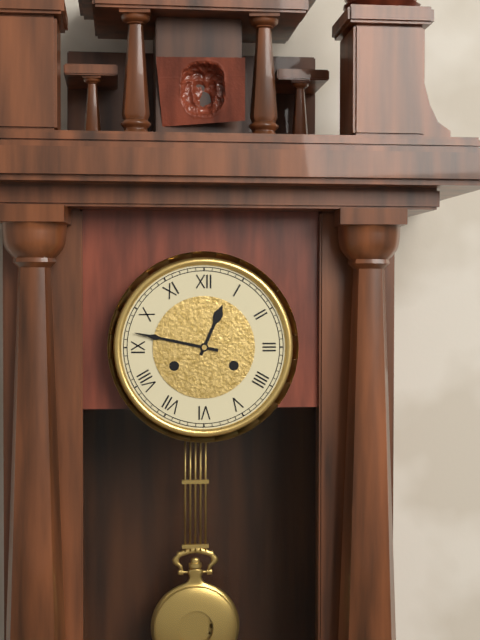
12:47
